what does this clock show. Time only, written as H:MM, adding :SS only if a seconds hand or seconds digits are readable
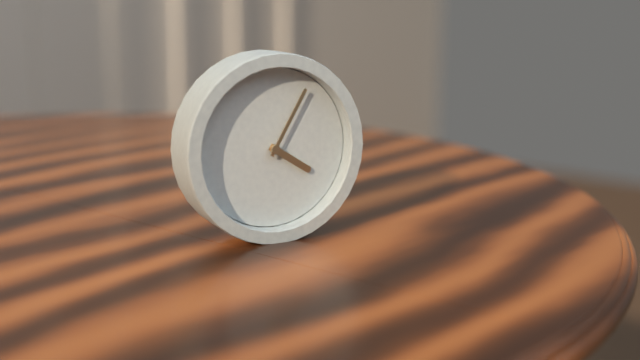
4:05
